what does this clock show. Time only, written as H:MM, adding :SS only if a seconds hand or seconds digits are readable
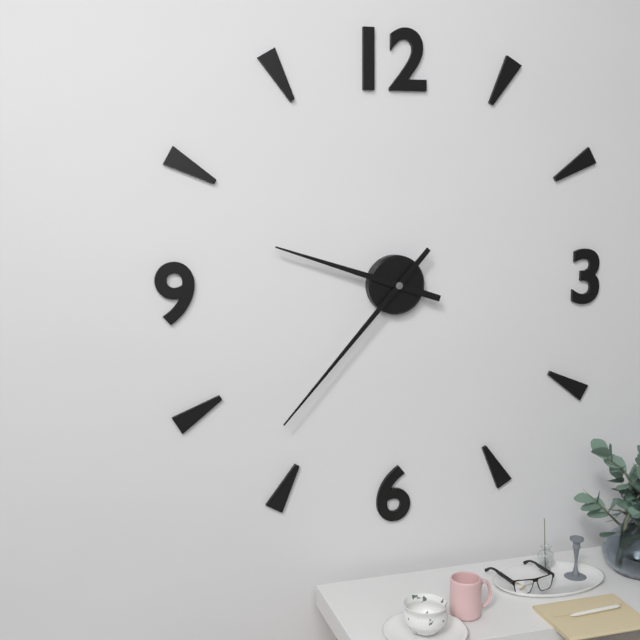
9:37
